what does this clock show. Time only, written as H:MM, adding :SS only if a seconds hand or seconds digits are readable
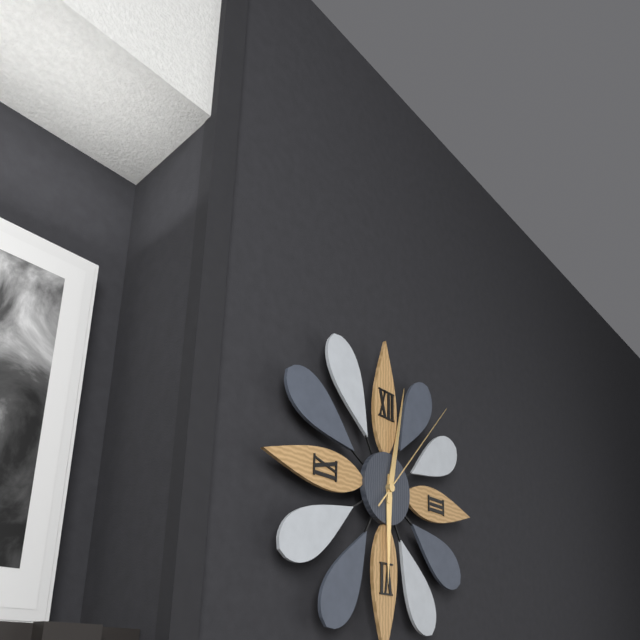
6:02:07
